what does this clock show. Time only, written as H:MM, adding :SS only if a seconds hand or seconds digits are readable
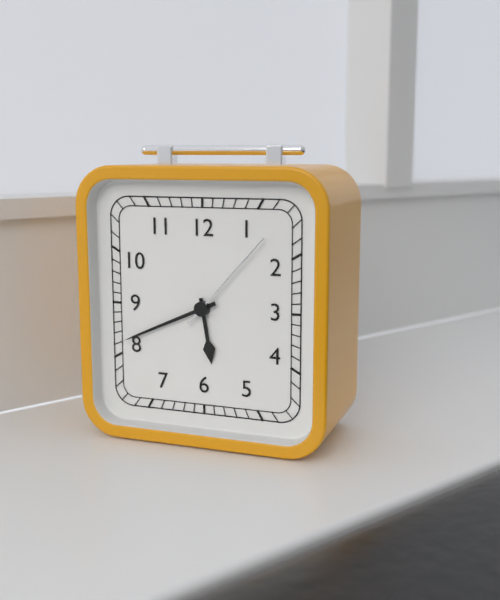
5:41:07
